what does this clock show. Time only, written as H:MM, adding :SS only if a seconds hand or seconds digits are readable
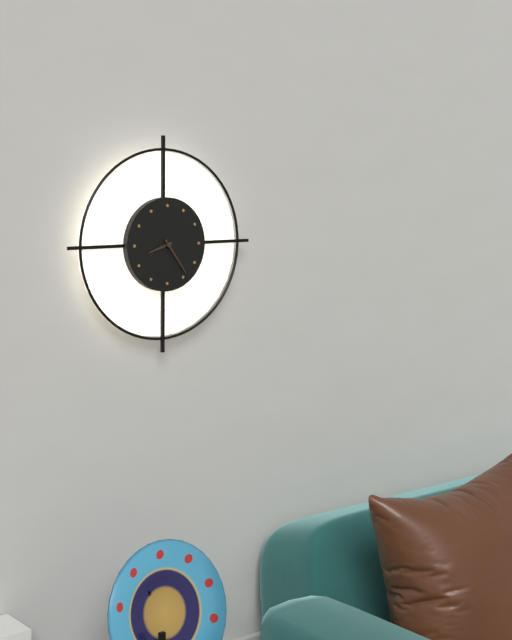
8:24
